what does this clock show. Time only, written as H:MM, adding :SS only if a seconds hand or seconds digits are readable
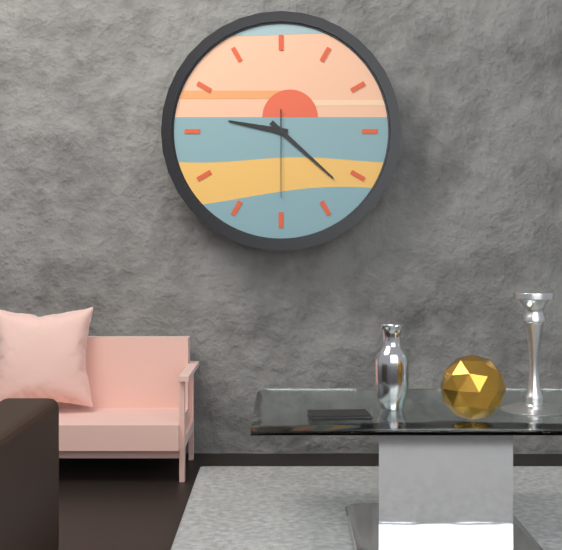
9:22:30
